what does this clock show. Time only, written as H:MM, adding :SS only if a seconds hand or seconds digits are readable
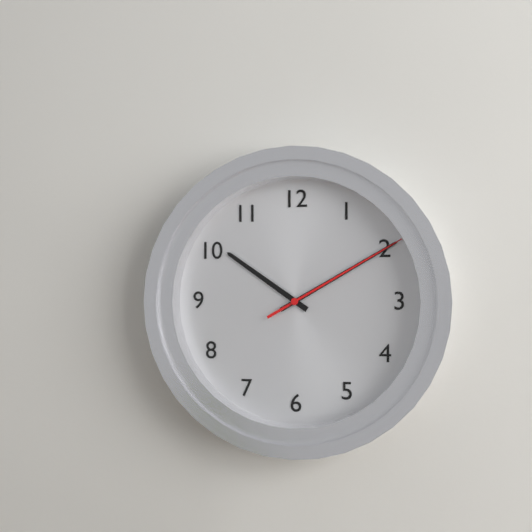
10:10:10
